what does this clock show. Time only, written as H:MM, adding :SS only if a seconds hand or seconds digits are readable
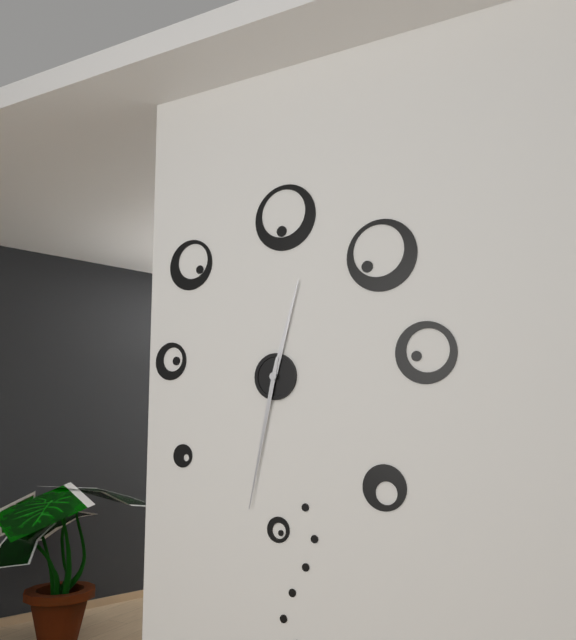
12:32
